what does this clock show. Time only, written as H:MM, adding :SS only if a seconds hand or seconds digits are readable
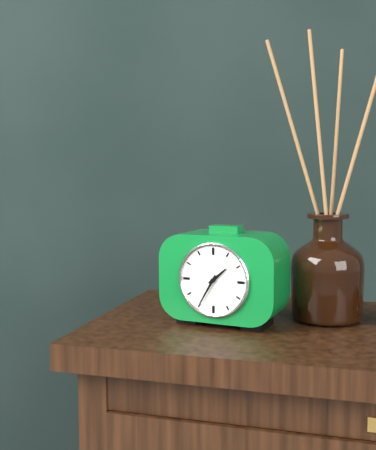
1:35
